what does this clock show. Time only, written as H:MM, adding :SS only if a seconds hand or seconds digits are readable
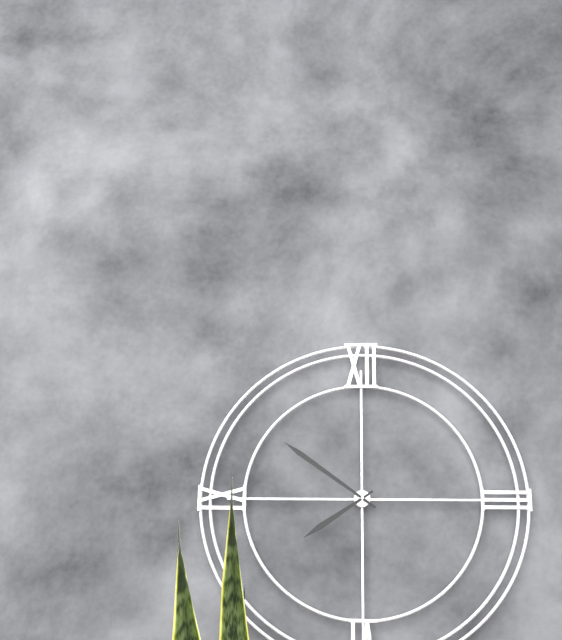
7:51
